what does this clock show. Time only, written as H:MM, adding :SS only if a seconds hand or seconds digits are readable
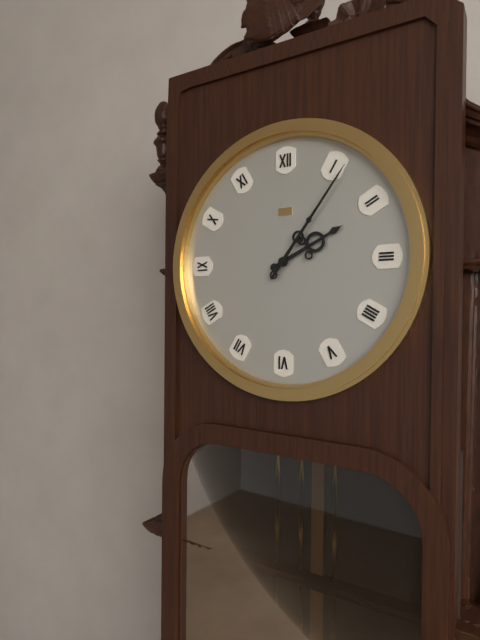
2:06
